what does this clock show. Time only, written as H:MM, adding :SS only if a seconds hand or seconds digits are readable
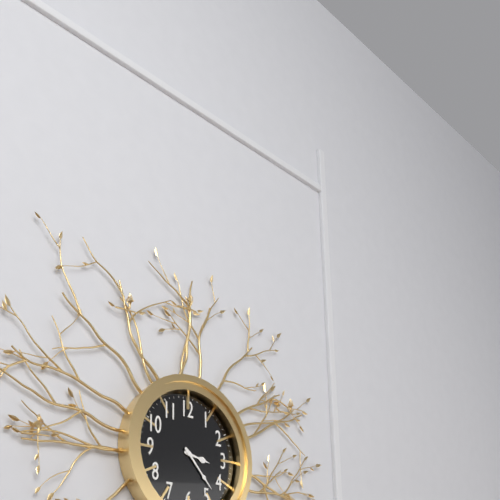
3:23
